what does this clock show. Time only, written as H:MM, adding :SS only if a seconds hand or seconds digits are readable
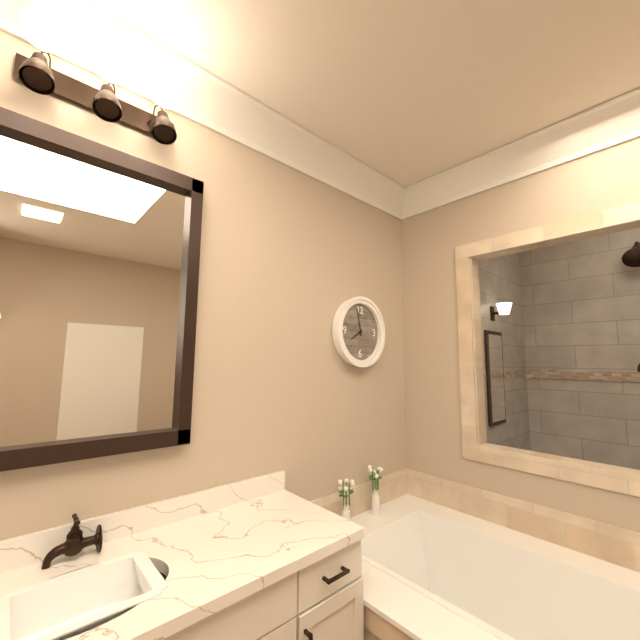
7:58
